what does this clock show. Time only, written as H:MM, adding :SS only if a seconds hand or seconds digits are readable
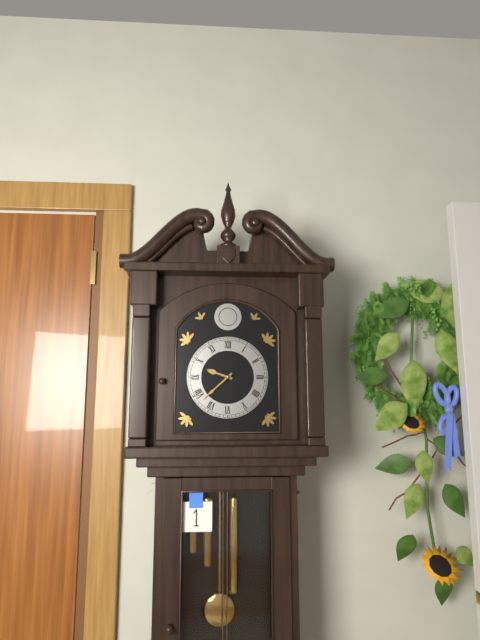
9:38
